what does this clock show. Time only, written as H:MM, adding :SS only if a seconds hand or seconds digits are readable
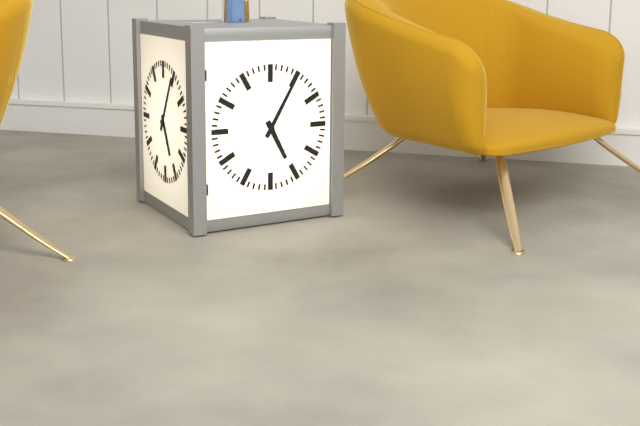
5:05
